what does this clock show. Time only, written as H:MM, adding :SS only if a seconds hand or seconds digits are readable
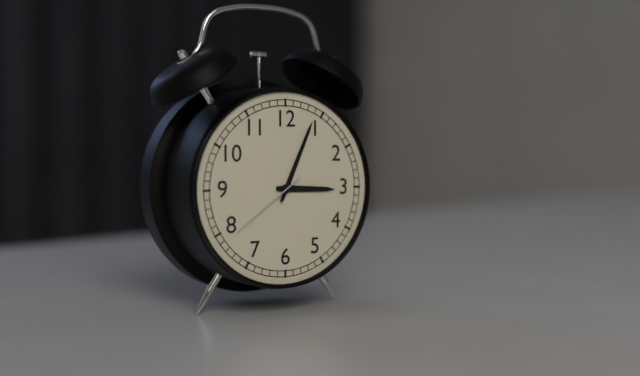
3:04:39
